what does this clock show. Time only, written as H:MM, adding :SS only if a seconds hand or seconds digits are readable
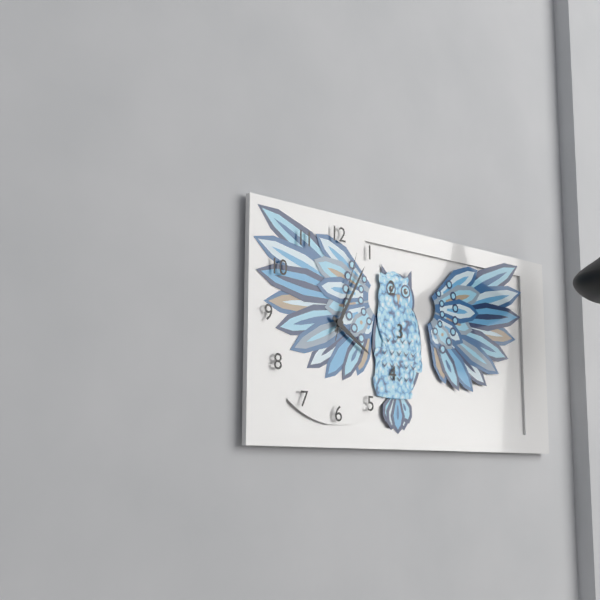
4:05:03
